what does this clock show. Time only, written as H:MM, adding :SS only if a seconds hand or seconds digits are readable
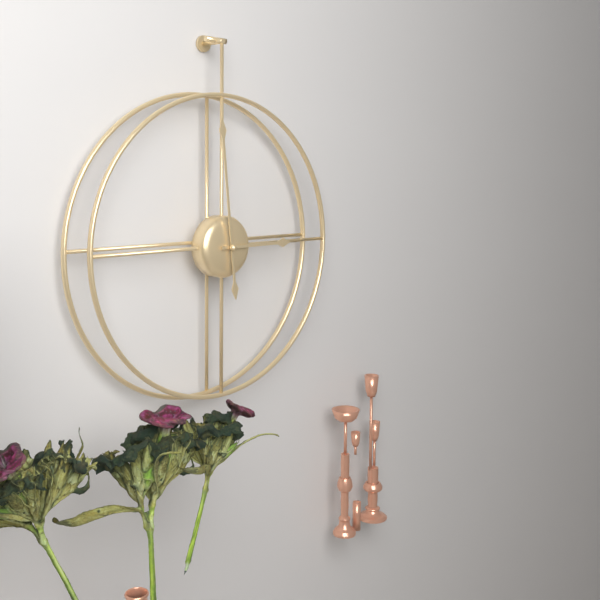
2:59
